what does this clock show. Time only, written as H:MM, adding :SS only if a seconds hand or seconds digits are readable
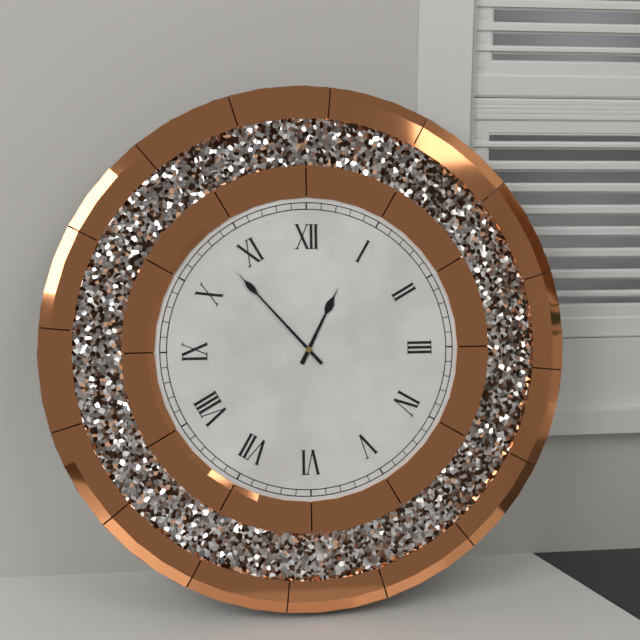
12:53
